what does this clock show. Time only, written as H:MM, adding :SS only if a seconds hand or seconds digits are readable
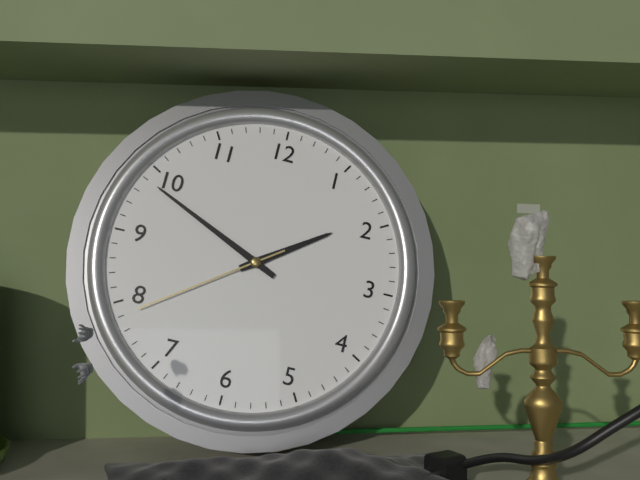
1:49:39
